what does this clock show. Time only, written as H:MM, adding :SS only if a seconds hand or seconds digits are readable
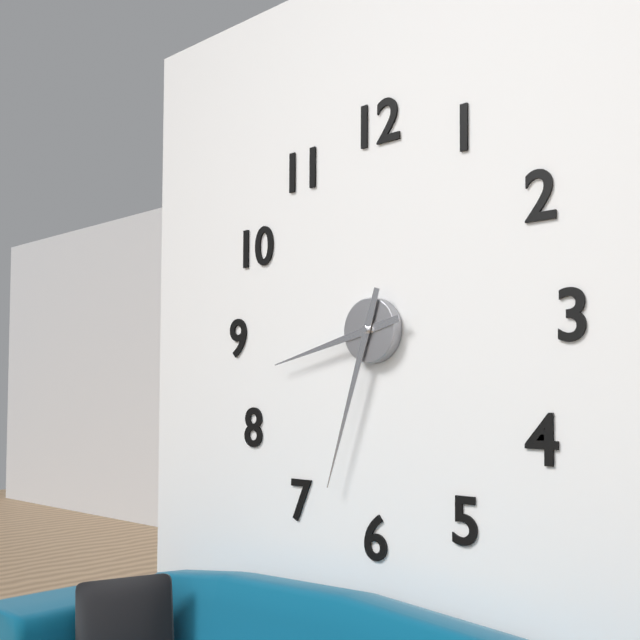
8:33
